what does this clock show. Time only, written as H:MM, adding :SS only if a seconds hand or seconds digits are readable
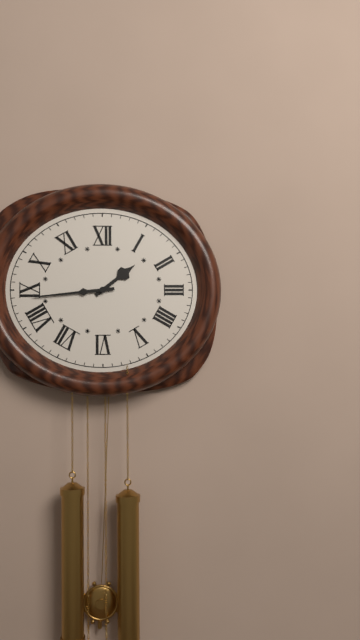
1:44
